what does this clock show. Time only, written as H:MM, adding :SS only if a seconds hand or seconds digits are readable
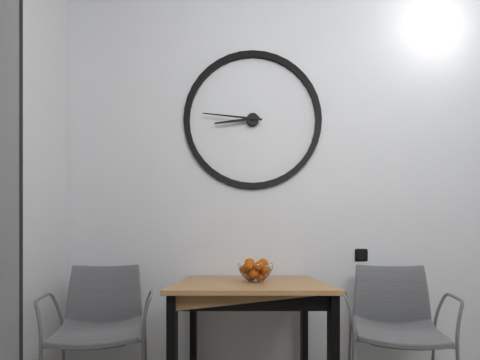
8:46
